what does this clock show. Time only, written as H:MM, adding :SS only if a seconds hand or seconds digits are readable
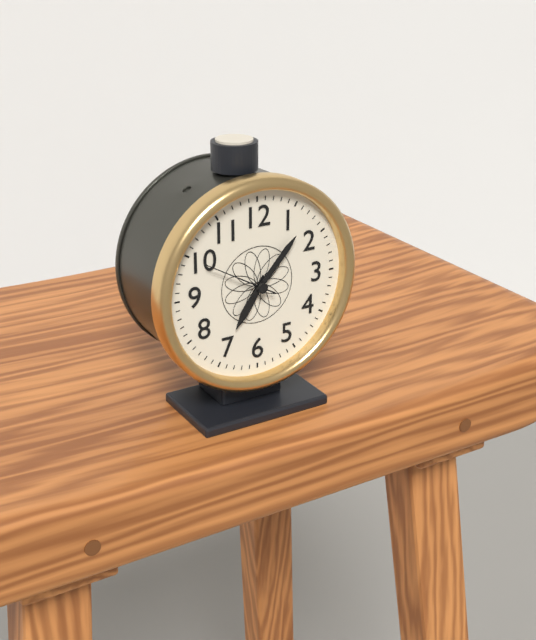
7:07:50
